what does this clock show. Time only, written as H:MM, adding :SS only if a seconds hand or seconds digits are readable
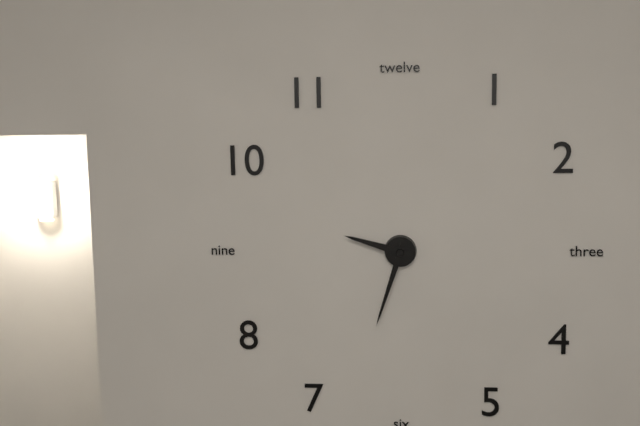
9:33
